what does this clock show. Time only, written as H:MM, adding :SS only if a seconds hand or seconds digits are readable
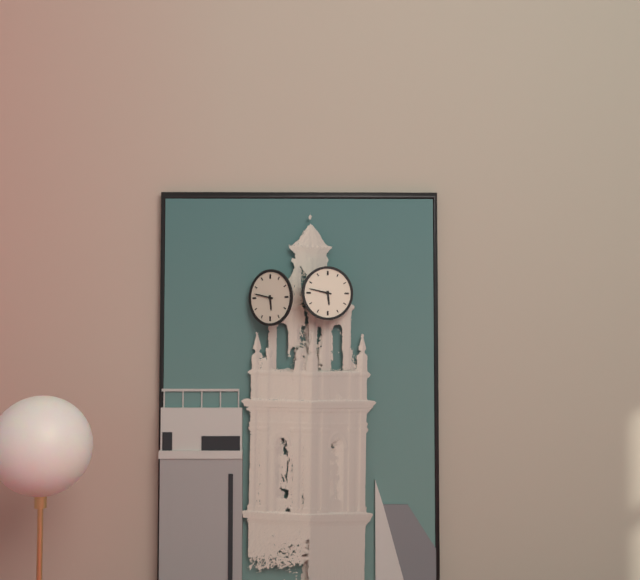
5:47
